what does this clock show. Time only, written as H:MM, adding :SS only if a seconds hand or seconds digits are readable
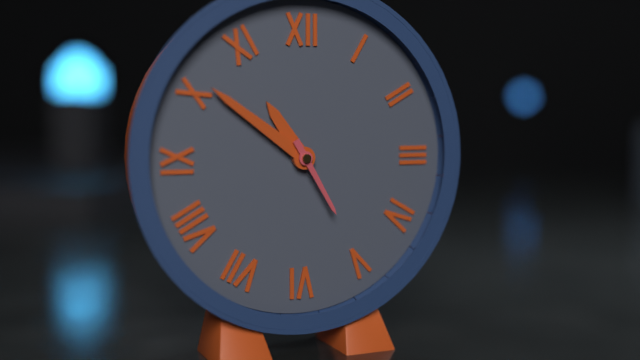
10:51:25
